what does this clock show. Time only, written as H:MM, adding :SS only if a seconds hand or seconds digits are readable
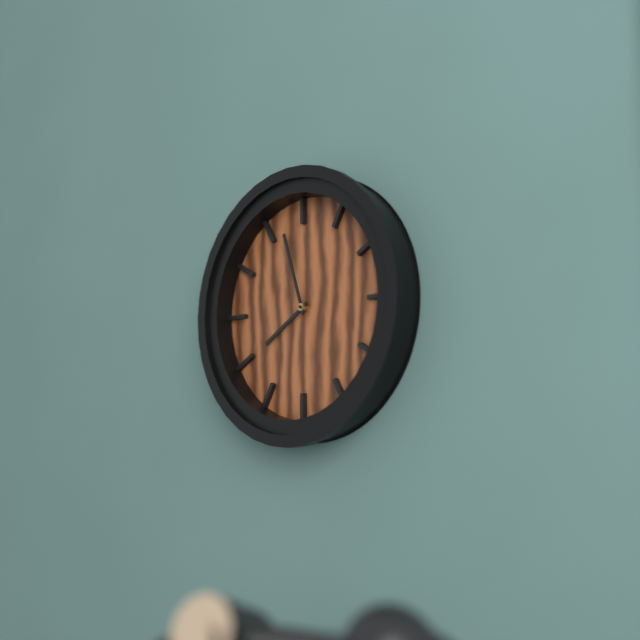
7:57
